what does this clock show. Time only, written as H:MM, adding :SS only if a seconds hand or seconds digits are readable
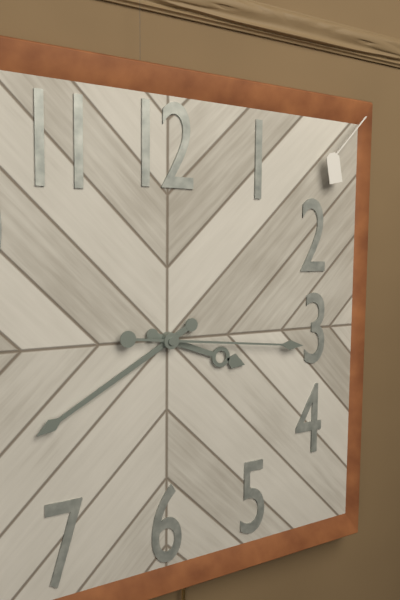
3:40:16
